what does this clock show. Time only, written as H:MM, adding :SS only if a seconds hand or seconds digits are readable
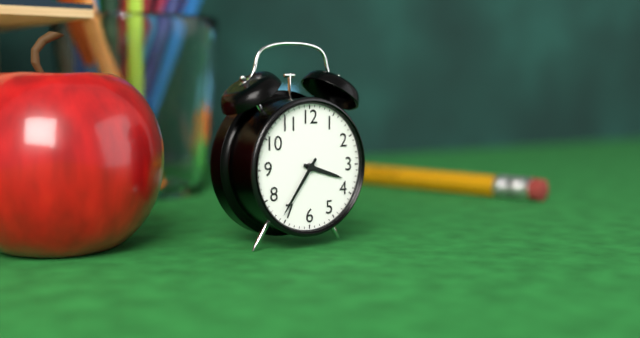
3:36
